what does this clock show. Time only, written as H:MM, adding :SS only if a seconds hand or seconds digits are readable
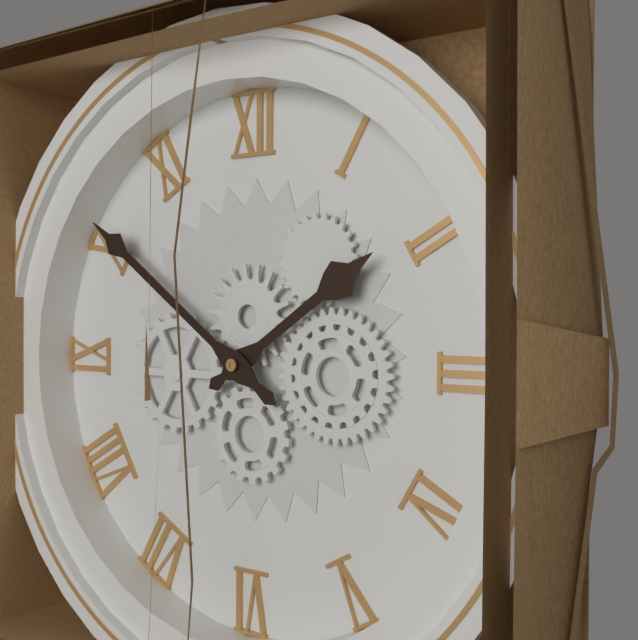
1:51
